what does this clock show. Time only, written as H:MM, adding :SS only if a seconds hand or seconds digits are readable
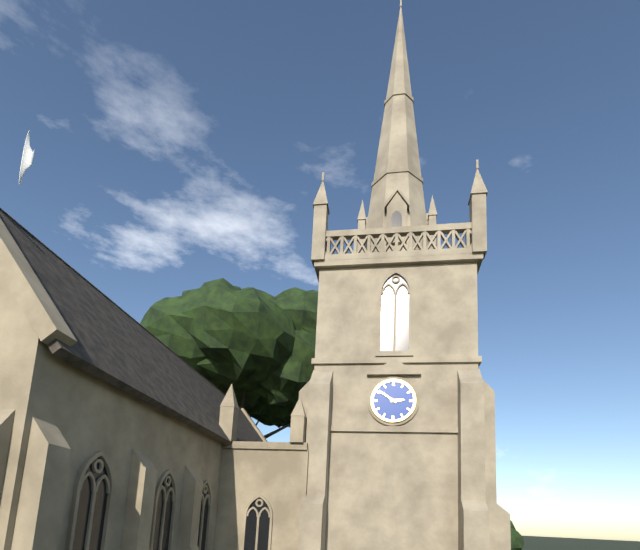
2:51
